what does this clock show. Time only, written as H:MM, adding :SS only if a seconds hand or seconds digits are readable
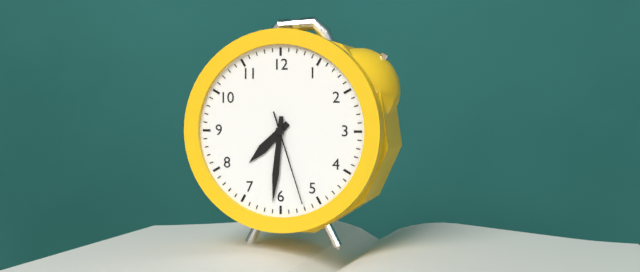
7:31:27
